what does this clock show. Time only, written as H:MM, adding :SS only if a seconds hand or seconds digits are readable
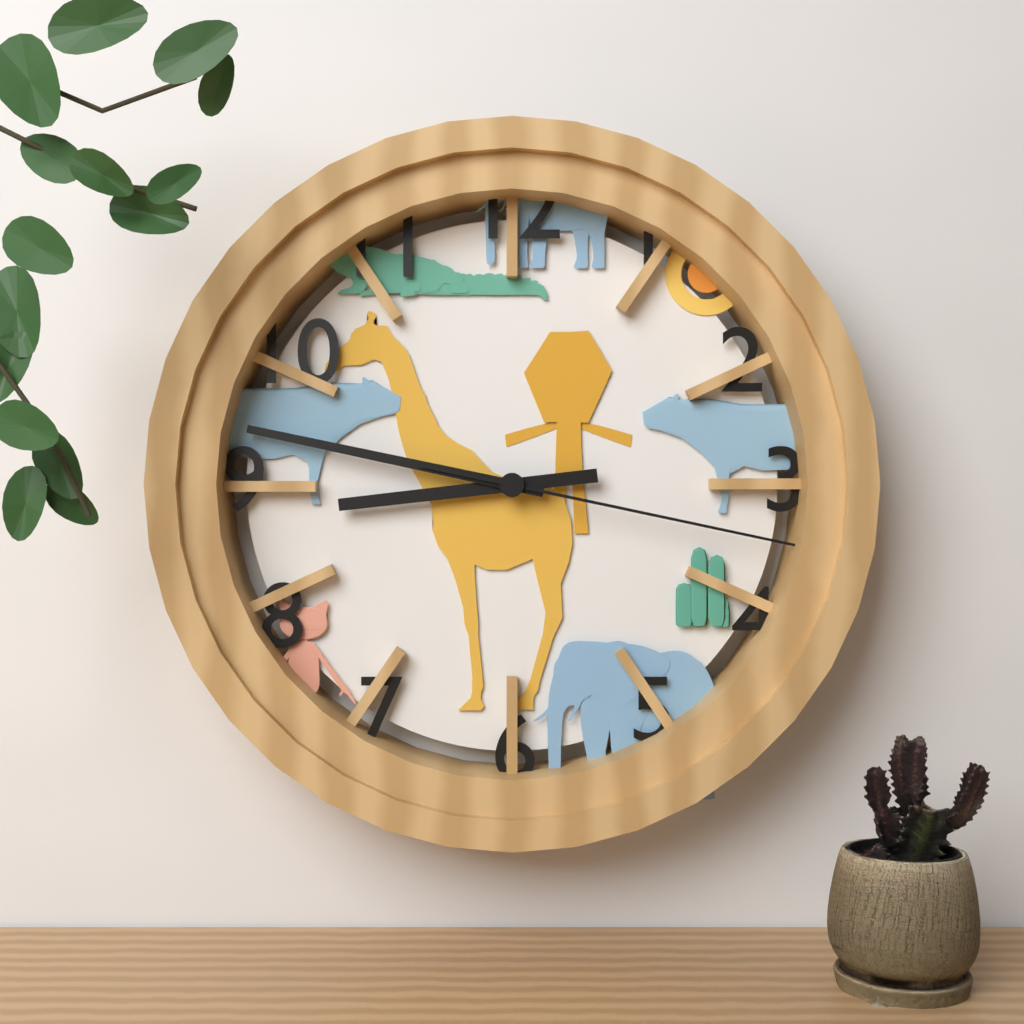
8:47:17
